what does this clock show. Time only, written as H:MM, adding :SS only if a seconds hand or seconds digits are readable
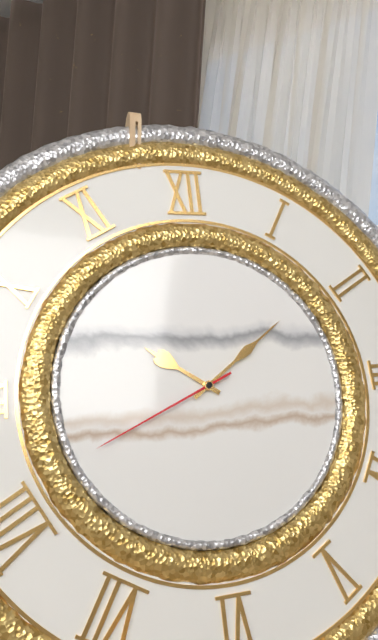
10:09:41
